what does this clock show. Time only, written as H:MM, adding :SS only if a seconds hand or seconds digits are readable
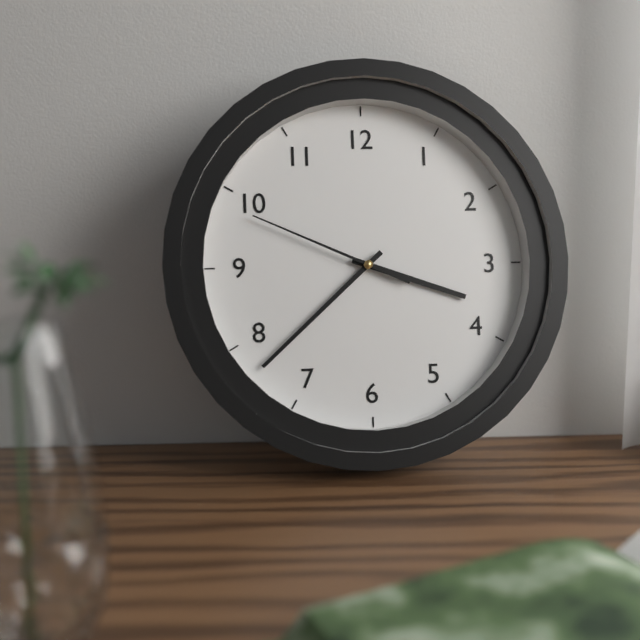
3:38:49
